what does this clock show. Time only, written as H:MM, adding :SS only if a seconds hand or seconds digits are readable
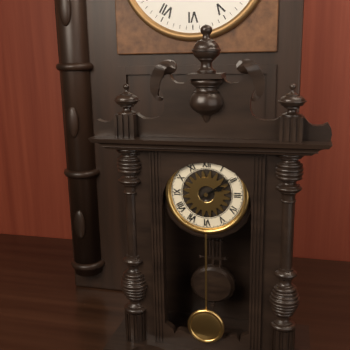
2:09
